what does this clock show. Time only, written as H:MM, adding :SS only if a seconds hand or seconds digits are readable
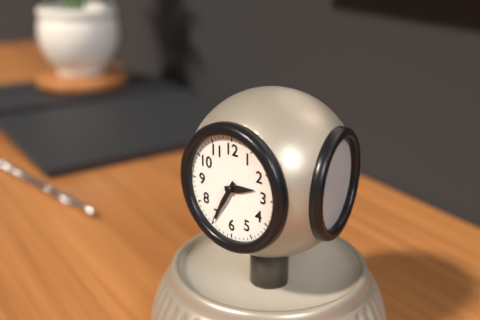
2:35
